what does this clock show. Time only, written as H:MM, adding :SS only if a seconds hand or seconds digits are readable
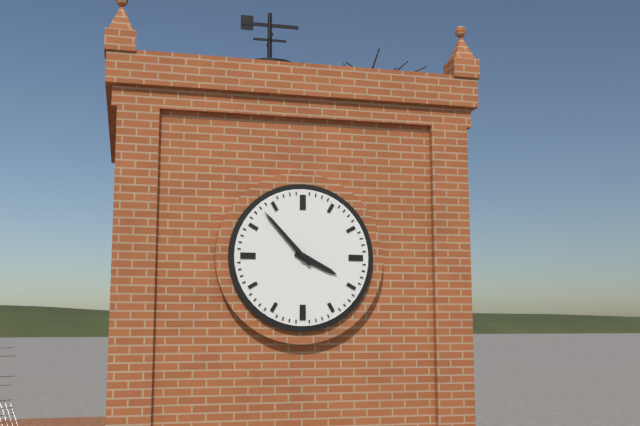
3:53
